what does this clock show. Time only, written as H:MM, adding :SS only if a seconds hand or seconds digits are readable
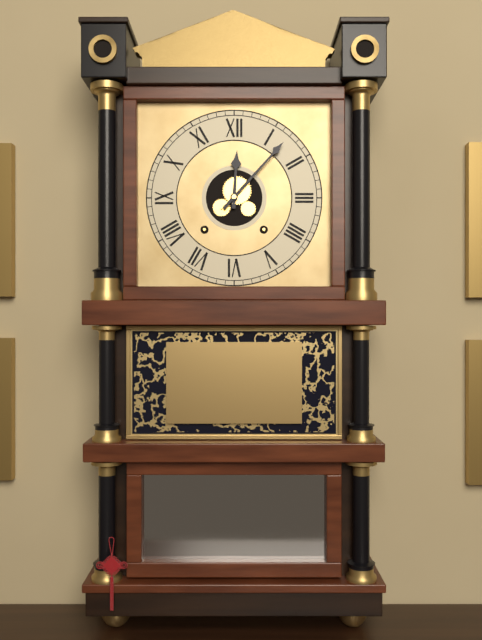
12:07
